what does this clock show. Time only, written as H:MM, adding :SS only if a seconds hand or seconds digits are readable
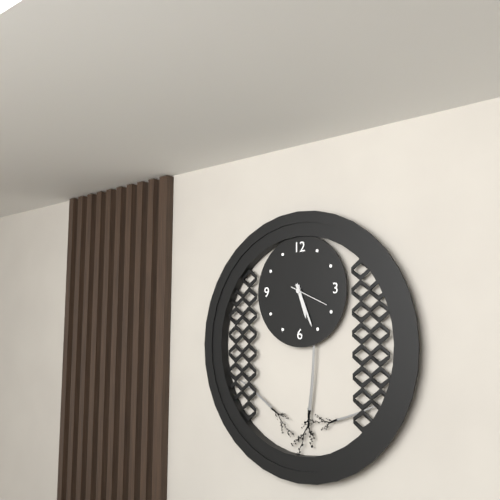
5:26
